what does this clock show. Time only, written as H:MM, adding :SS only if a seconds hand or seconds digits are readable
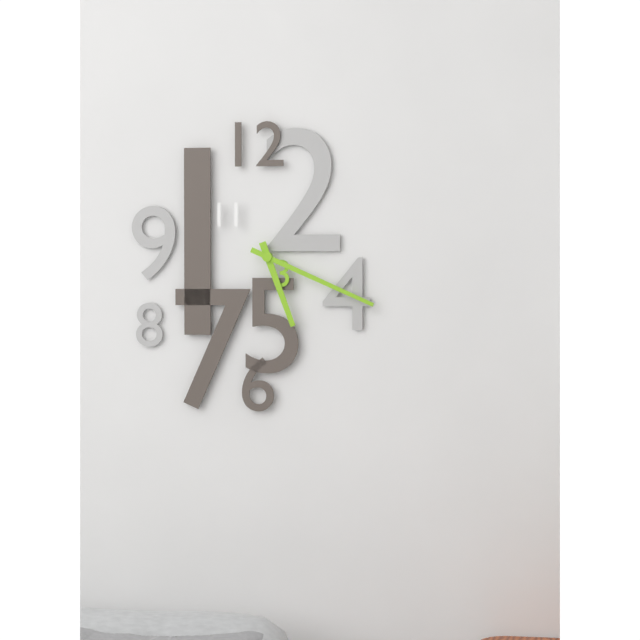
5:19
